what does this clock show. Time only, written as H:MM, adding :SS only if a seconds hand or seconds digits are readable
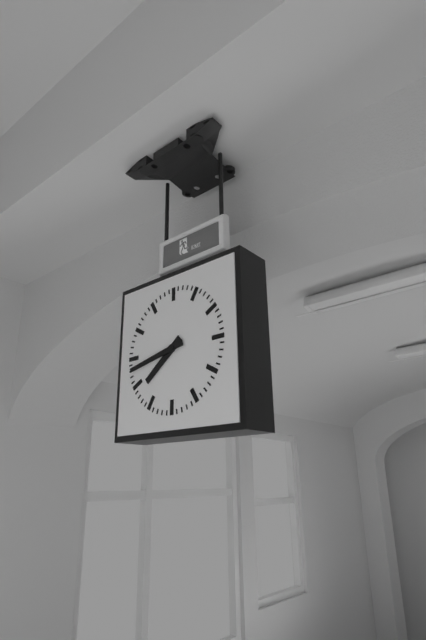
7:43
